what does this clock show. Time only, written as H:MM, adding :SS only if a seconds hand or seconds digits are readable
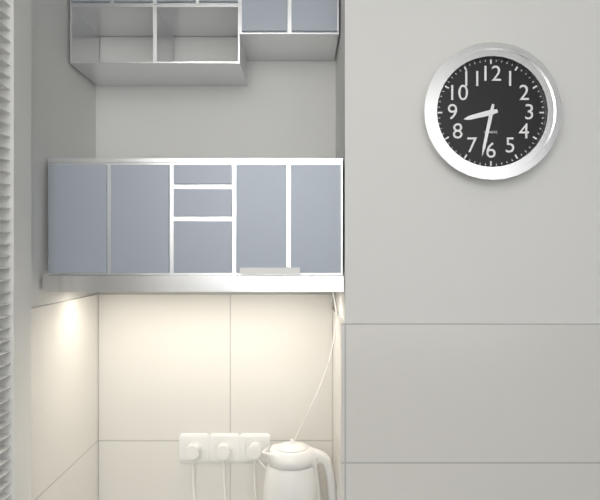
8:32
